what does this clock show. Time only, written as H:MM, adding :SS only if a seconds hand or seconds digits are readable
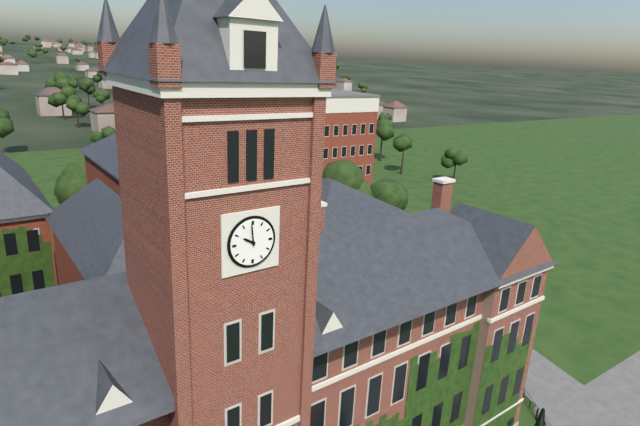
9:59
